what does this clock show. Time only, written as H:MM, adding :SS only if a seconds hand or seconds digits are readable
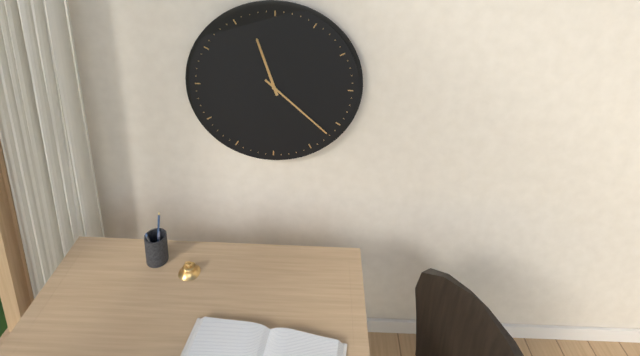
11:22
